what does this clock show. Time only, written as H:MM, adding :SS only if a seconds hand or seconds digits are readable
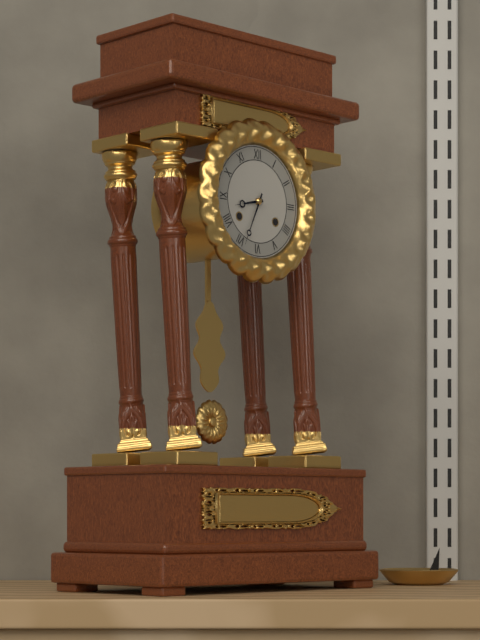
8:34
